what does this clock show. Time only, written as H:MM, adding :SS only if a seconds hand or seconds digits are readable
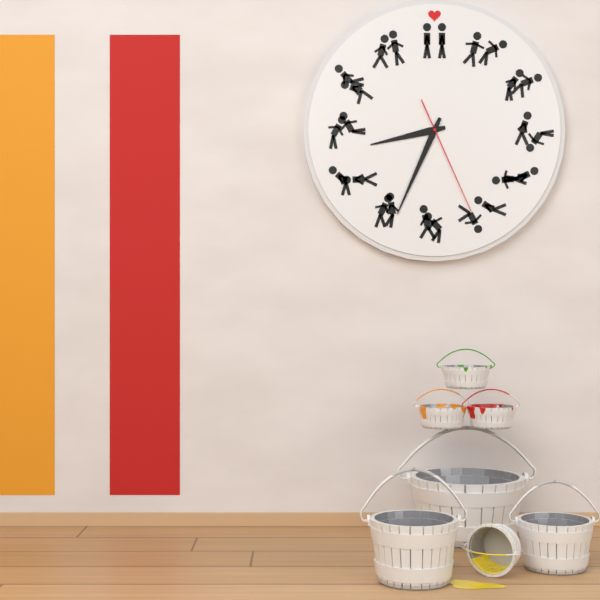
8:34:26
